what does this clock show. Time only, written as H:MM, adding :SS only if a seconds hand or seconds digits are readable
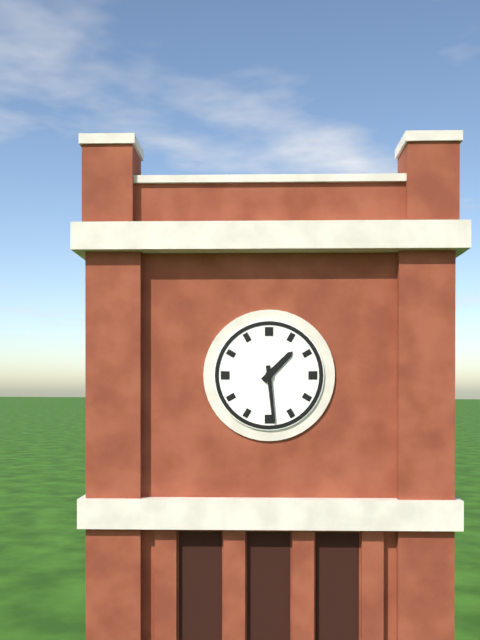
1:29
